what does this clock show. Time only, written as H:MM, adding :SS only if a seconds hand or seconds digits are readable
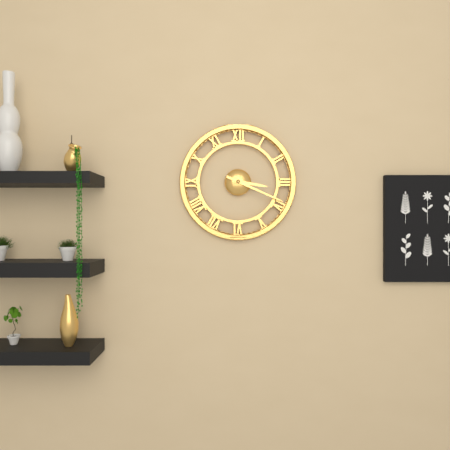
3:19
